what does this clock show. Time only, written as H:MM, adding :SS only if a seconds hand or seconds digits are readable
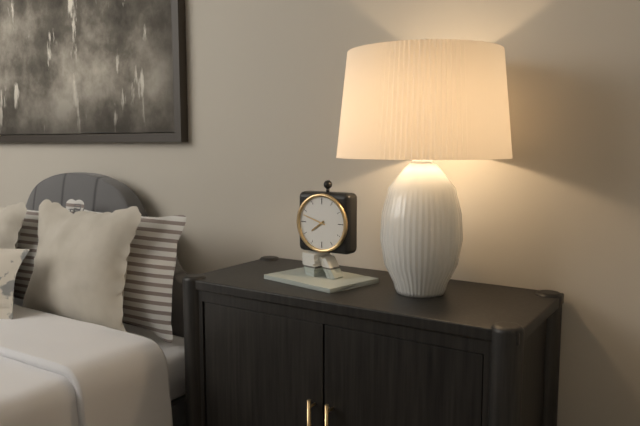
7:48
